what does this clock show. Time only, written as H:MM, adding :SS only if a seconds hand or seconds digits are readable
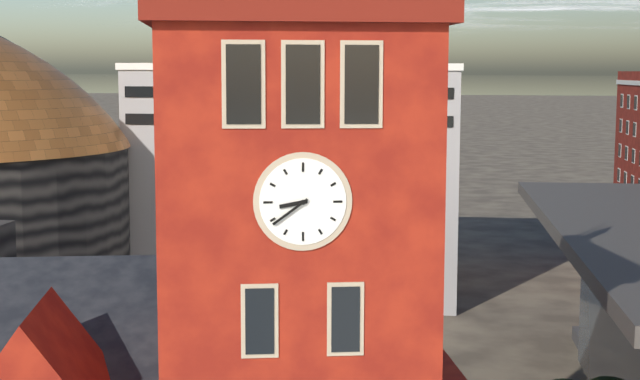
8:39
